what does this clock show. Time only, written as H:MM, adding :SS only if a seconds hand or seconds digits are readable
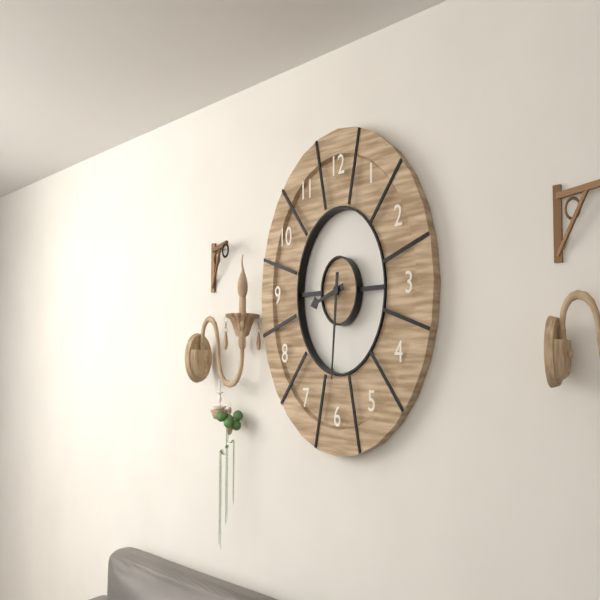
8:31
